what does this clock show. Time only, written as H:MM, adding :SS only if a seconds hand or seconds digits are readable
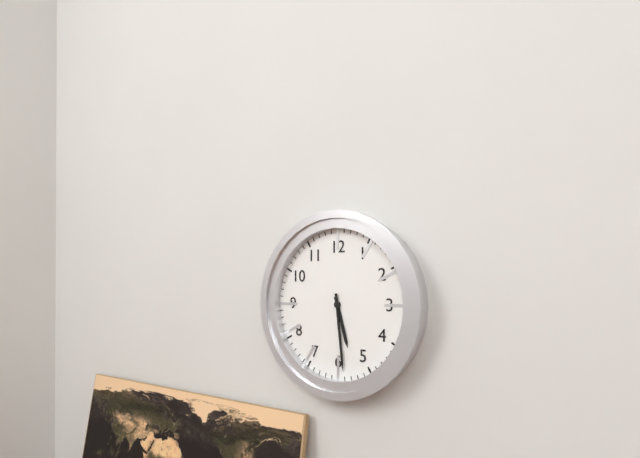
5:29
